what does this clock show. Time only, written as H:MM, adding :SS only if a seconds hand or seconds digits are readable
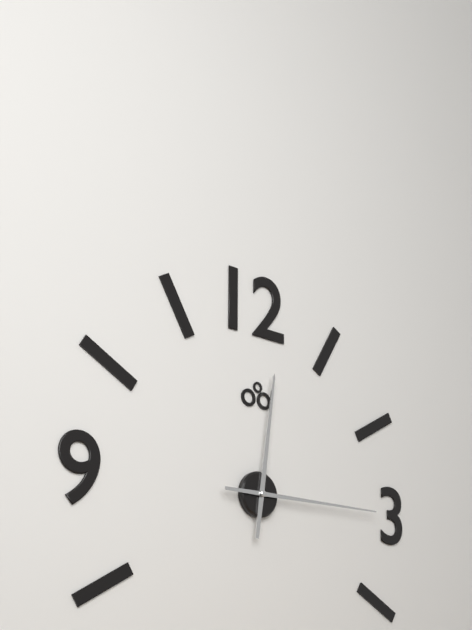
12:15
